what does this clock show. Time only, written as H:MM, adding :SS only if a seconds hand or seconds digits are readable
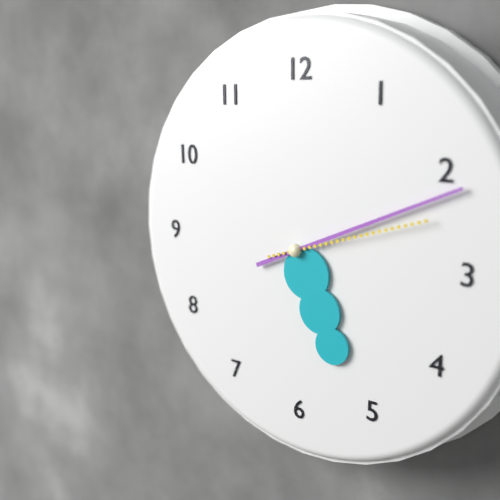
5:11:12
